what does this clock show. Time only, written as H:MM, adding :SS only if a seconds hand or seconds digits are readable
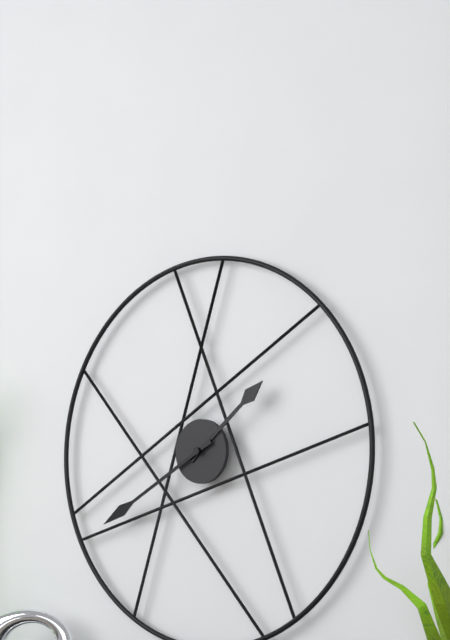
1:40
